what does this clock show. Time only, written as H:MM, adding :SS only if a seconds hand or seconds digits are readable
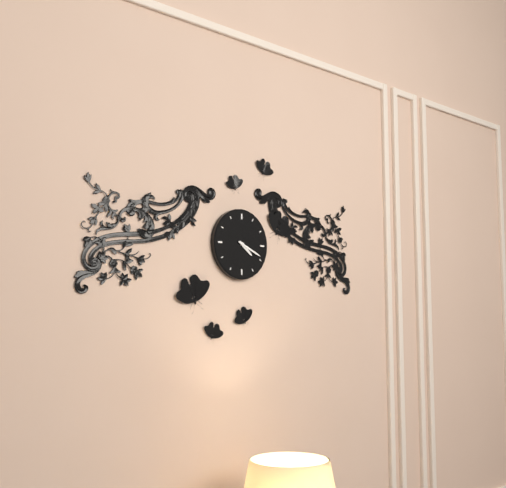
4:19
